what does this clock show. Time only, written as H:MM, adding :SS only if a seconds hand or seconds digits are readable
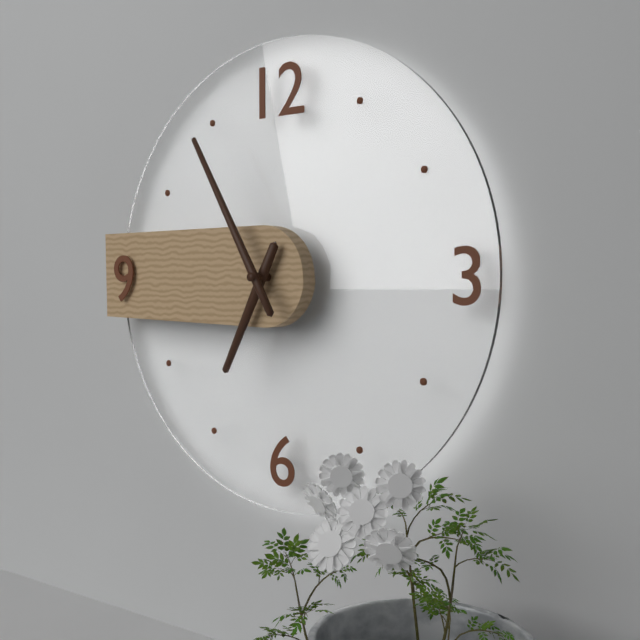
6:55
